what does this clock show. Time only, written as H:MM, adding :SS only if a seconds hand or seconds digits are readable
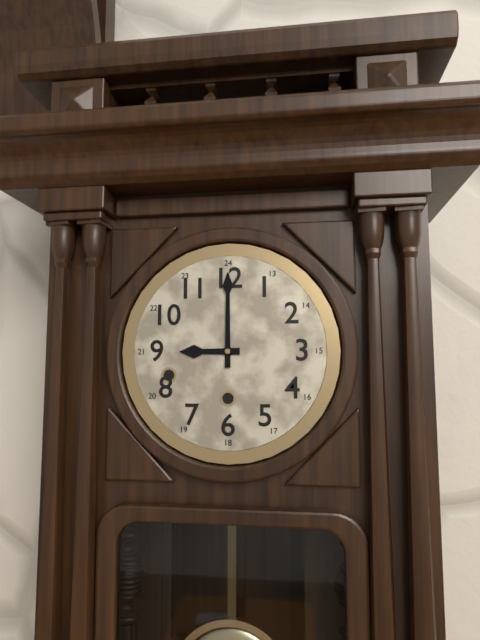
9:00
